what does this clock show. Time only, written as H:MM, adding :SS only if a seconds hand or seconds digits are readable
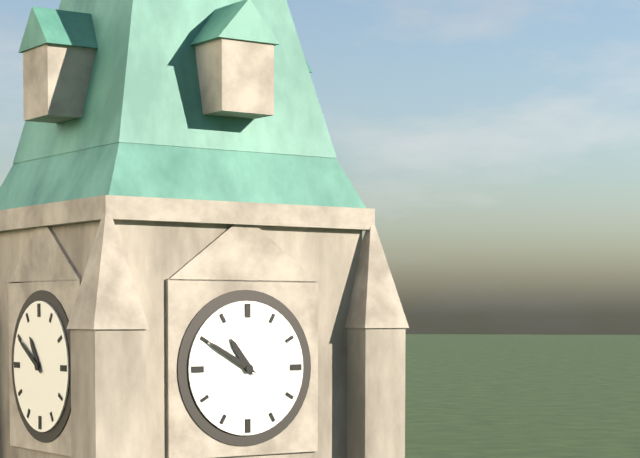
10:50
